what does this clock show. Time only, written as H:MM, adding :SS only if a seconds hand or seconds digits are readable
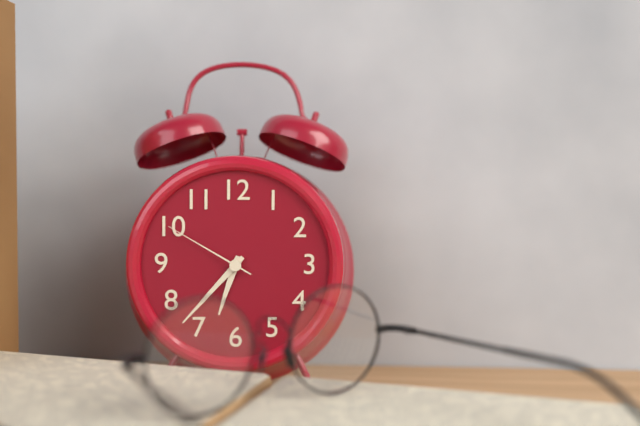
6:37:50
